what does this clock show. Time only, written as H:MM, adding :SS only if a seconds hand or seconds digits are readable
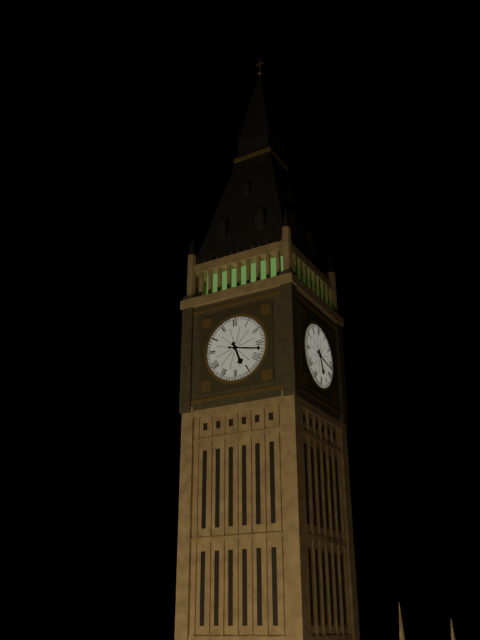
5:17
